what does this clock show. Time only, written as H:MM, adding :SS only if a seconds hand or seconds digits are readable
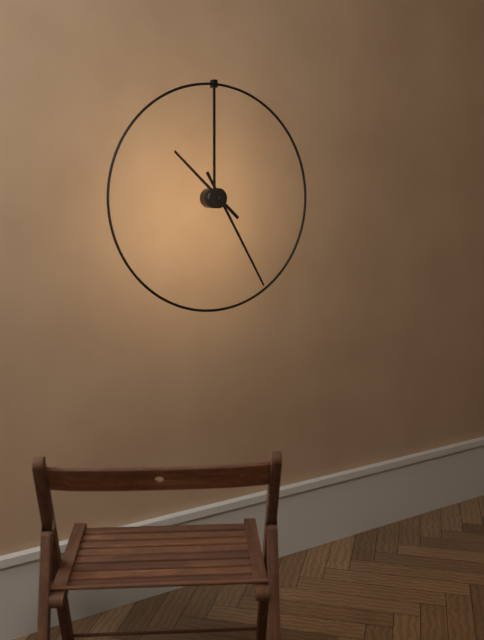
10:25
